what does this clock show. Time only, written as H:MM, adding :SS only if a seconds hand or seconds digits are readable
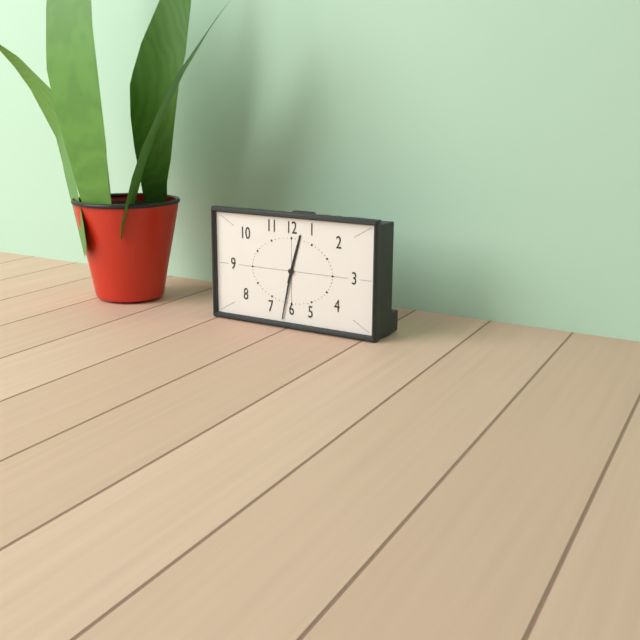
12:32
